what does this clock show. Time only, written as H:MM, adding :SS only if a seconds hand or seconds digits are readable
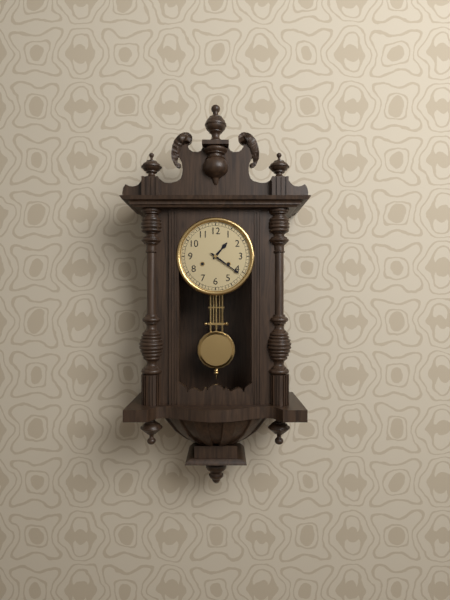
1:21
